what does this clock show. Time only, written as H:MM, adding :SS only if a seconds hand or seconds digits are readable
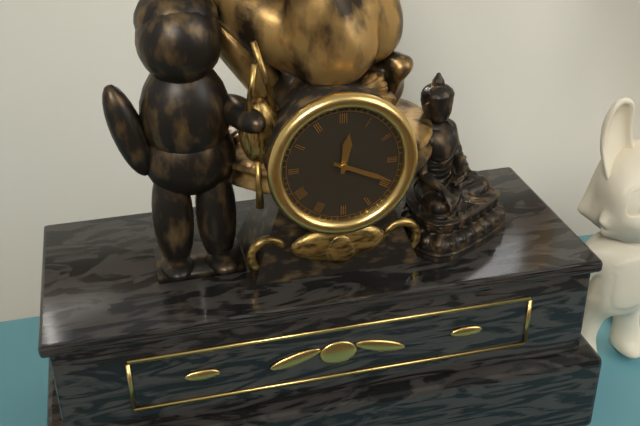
12:19
